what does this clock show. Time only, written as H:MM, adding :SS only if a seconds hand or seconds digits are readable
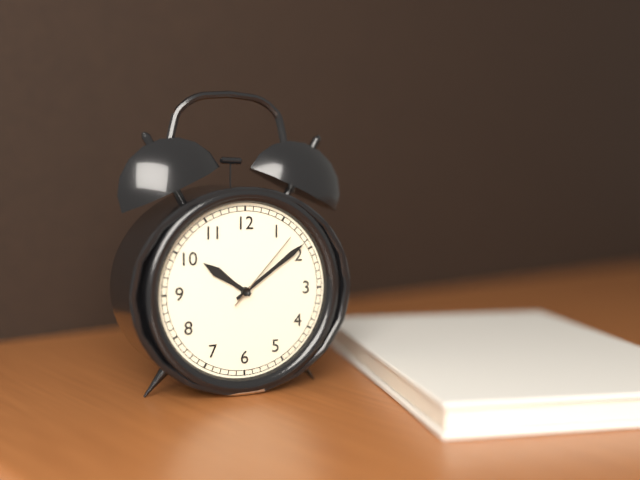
10:09:07
